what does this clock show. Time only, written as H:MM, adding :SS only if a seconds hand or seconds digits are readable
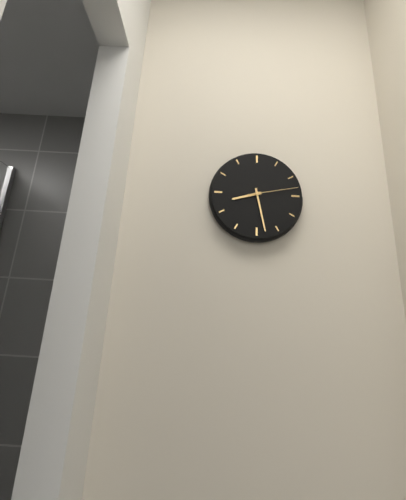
8:28:13
